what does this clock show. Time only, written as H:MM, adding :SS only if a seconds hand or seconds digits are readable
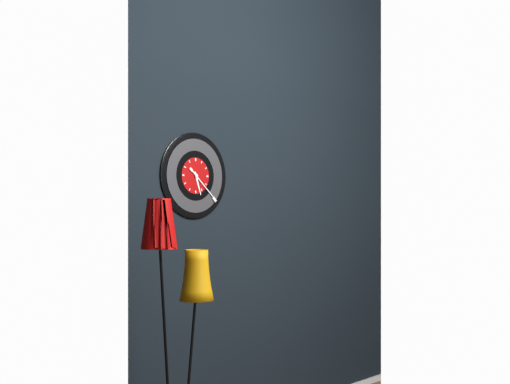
5:22
